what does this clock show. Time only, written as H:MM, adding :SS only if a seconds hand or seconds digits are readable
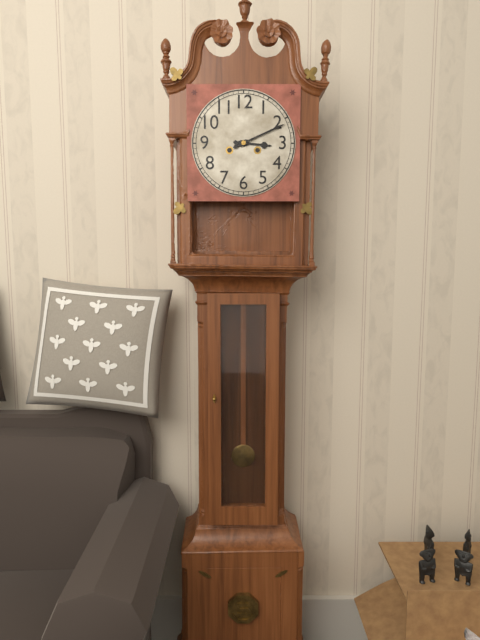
3:11
